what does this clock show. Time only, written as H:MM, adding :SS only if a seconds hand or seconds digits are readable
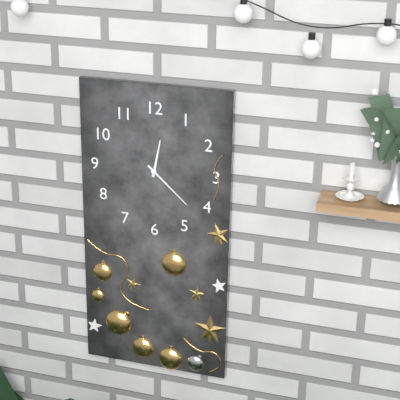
12:22
